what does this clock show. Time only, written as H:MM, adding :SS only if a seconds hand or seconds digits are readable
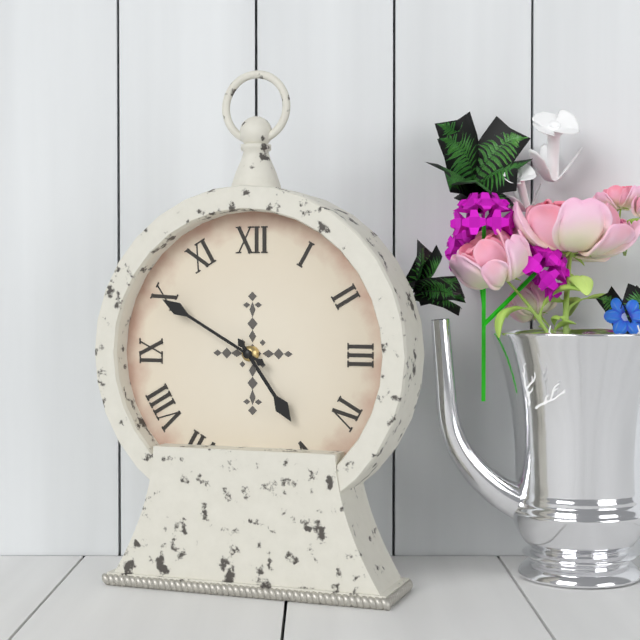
4:50
